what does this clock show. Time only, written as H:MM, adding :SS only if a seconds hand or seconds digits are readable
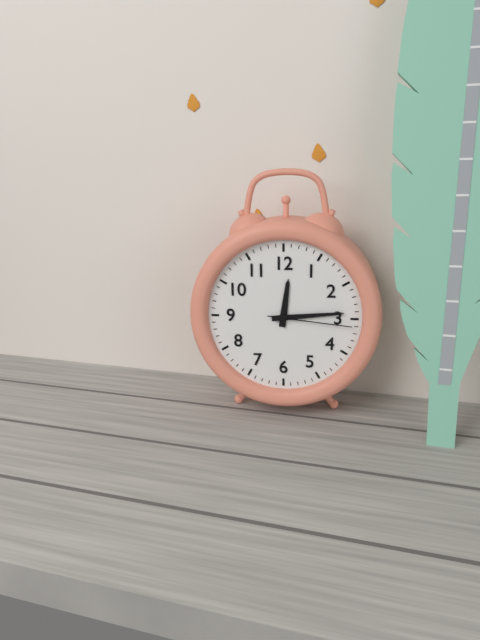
12:14:16
